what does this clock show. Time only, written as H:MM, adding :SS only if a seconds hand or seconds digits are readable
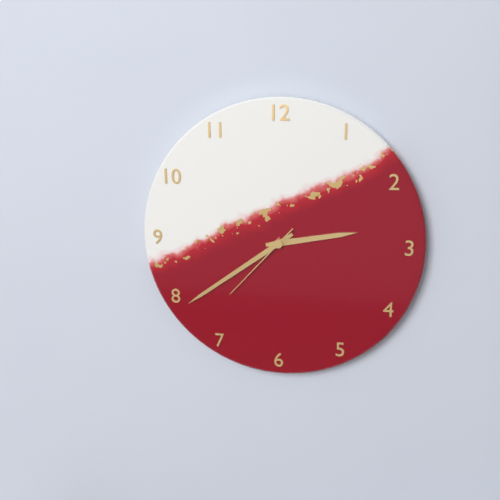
2:39:37
